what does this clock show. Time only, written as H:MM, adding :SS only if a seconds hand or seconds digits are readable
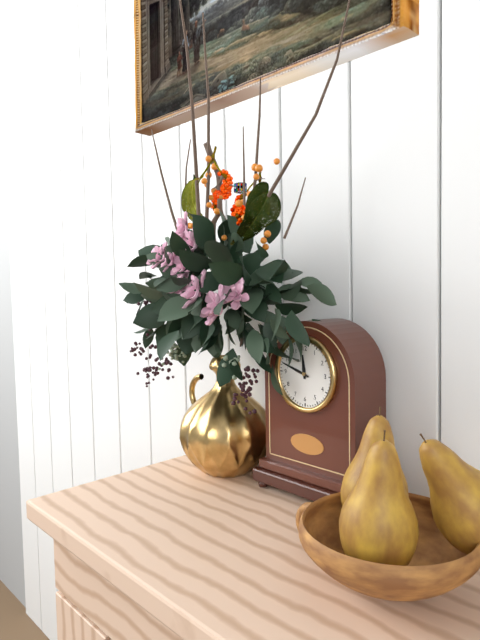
11:48
